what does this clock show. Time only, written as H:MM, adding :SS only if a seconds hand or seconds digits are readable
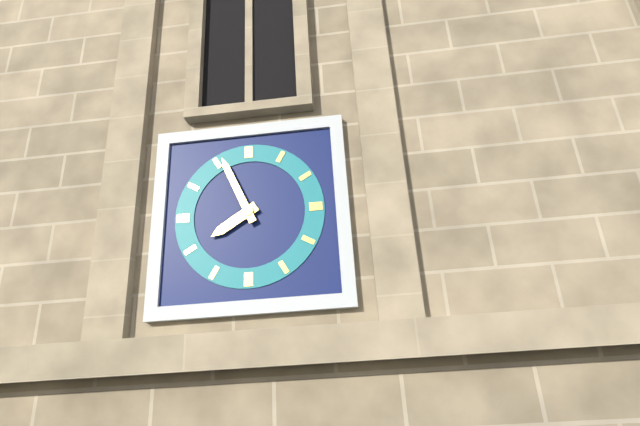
7:56
